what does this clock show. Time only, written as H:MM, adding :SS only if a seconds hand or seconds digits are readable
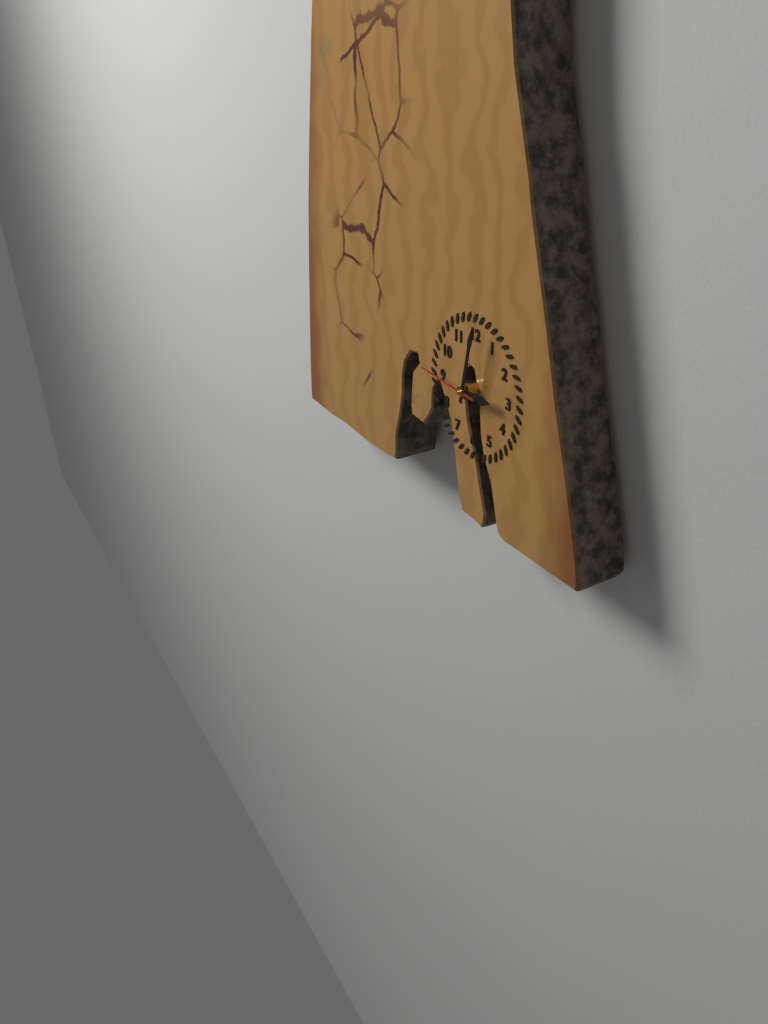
3:02:46
